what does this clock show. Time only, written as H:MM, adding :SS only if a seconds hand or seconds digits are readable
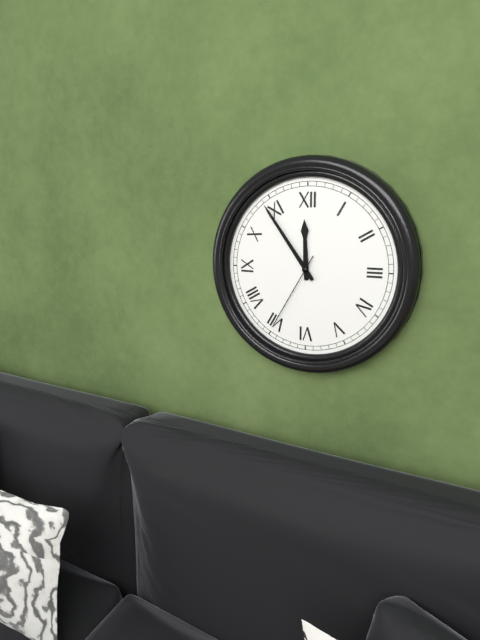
11:54:35
